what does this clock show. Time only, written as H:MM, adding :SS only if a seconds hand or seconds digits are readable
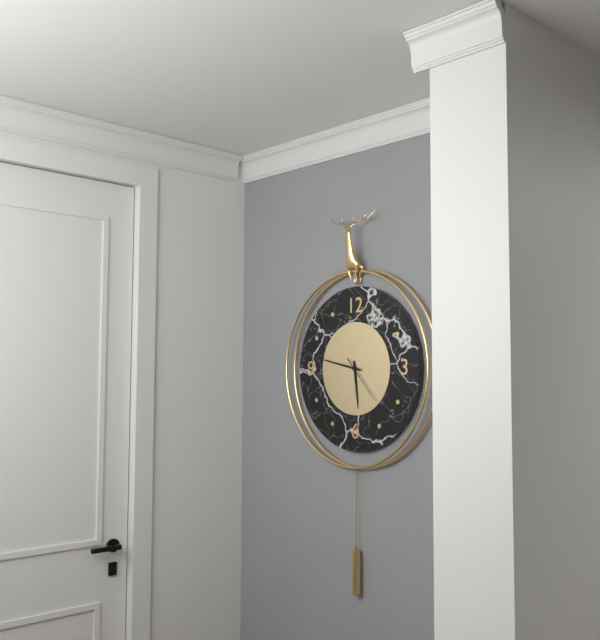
5:47:23
